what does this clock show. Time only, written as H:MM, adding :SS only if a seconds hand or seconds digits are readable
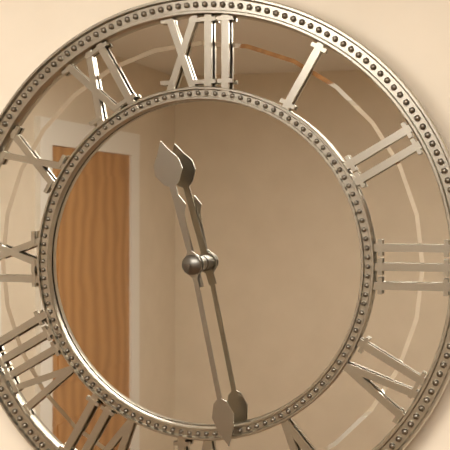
11:28
